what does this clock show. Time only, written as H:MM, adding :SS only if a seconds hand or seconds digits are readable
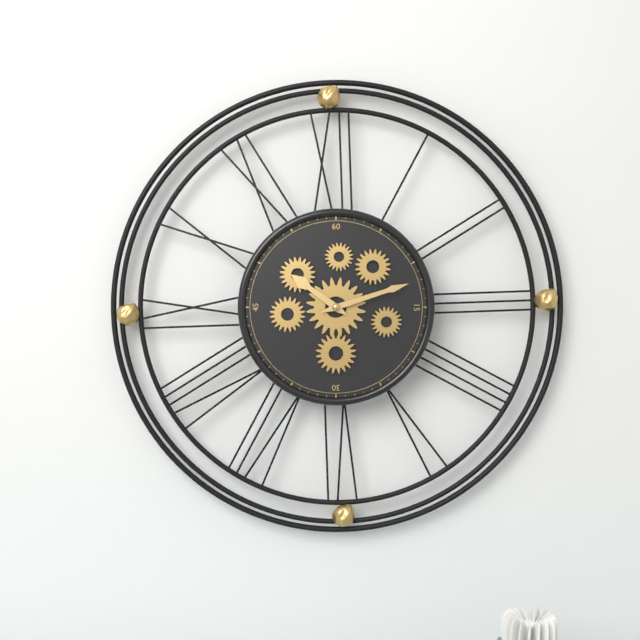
10:12
